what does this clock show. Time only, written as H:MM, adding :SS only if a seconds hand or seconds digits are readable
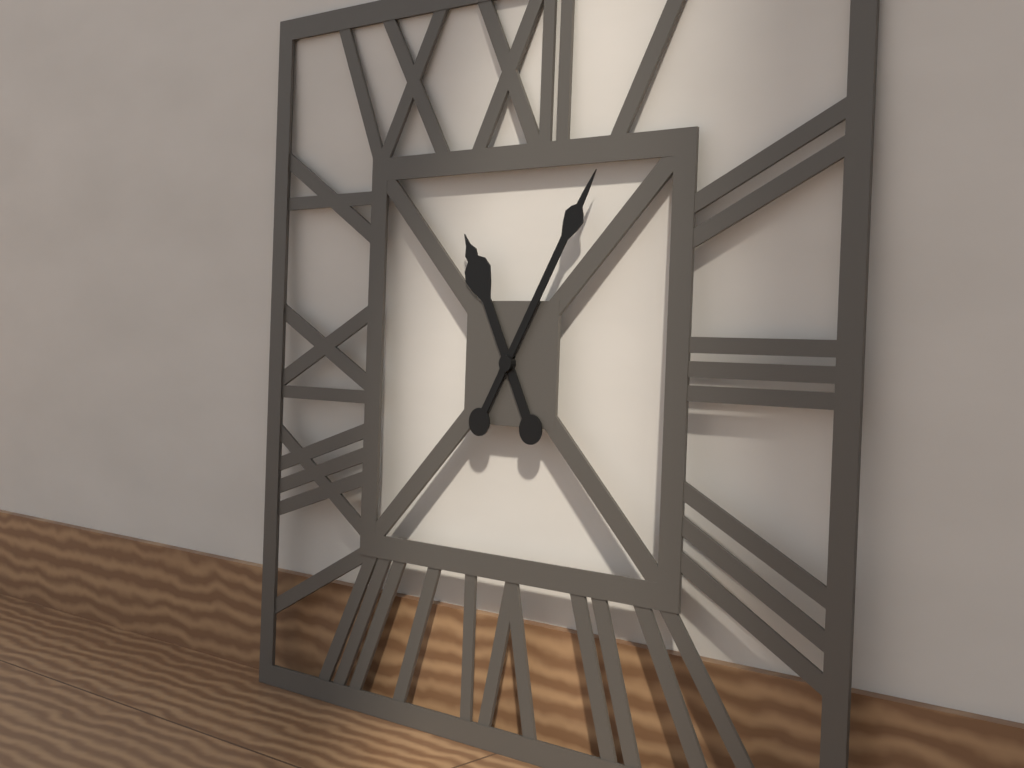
11:05
